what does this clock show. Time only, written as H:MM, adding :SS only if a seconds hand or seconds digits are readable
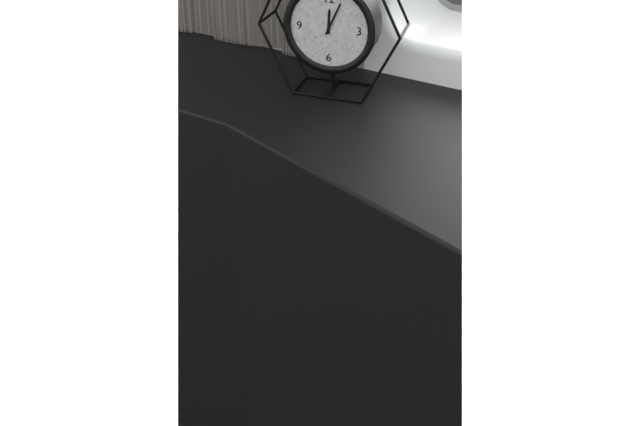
12:04
